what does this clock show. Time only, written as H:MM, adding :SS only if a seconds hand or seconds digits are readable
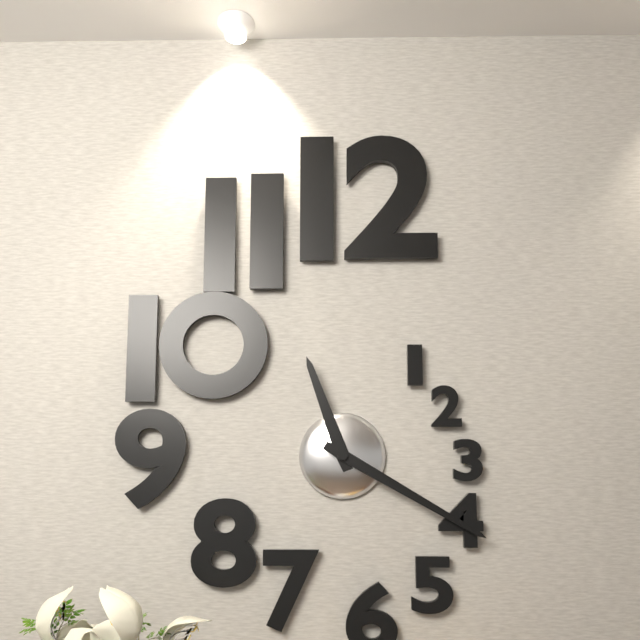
11:20
